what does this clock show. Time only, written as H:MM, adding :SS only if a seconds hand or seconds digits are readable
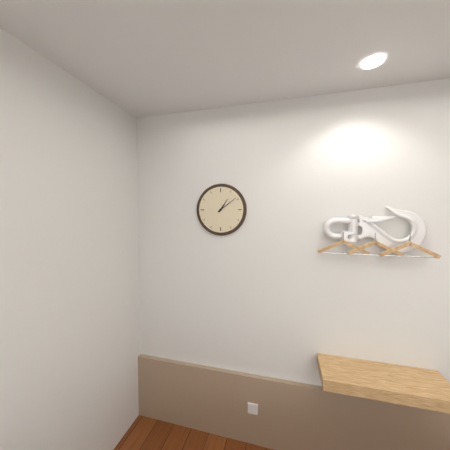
1:09
